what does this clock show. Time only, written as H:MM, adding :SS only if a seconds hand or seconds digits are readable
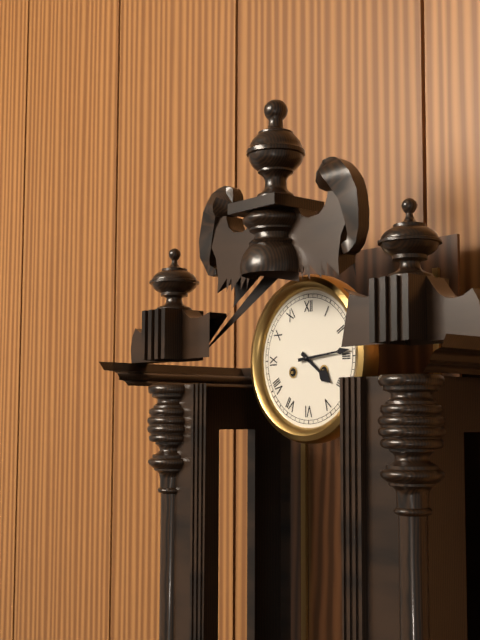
4:14
